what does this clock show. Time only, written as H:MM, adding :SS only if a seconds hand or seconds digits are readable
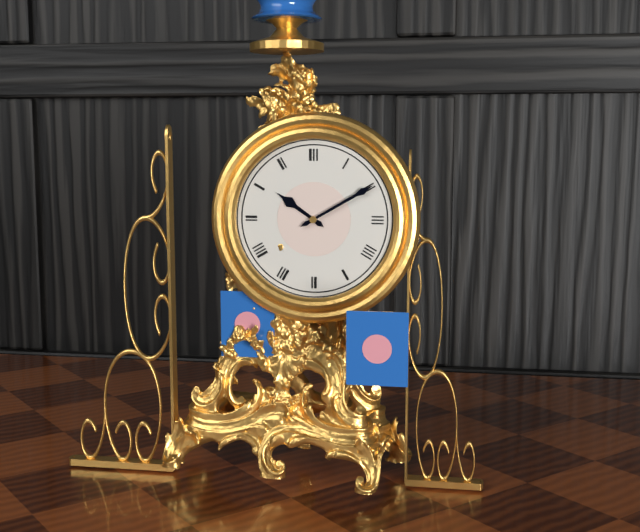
10:10
